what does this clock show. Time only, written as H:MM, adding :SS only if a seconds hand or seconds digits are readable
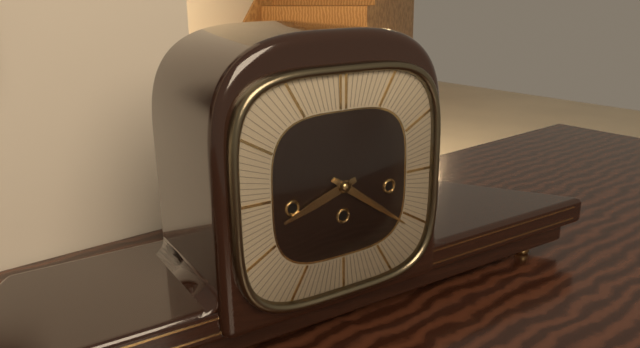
8:21
